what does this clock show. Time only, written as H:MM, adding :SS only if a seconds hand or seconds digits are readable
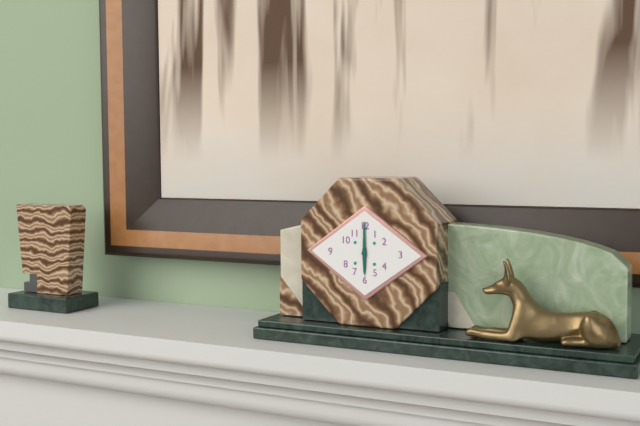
6:00
